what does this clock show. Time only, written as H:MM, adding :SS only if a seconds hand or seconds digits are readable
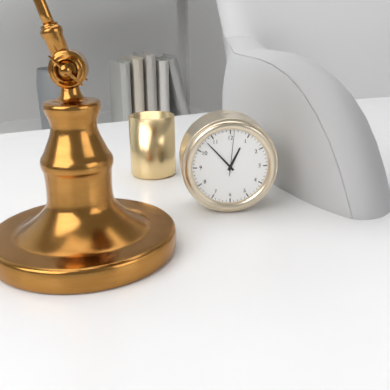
12:53
